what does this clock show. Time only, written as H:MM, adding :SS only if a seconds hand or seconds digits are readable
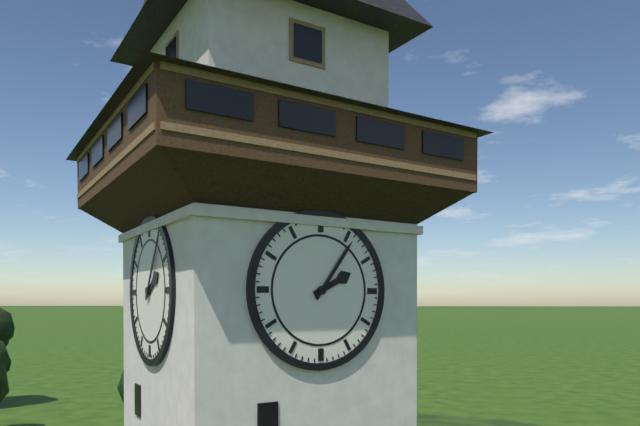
2:06
